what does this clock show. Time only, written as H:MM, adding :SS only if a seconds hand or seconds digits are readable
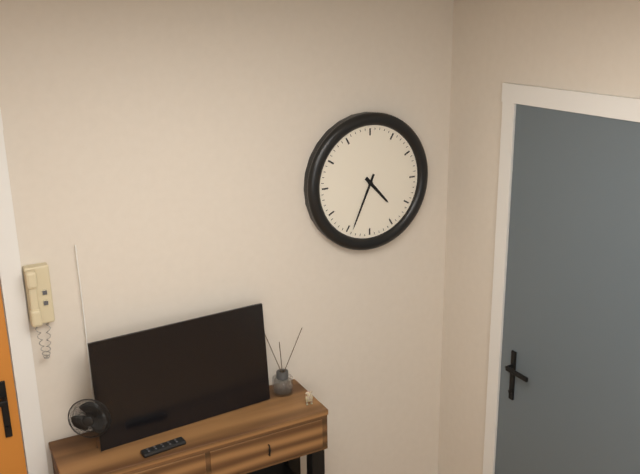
4:34
